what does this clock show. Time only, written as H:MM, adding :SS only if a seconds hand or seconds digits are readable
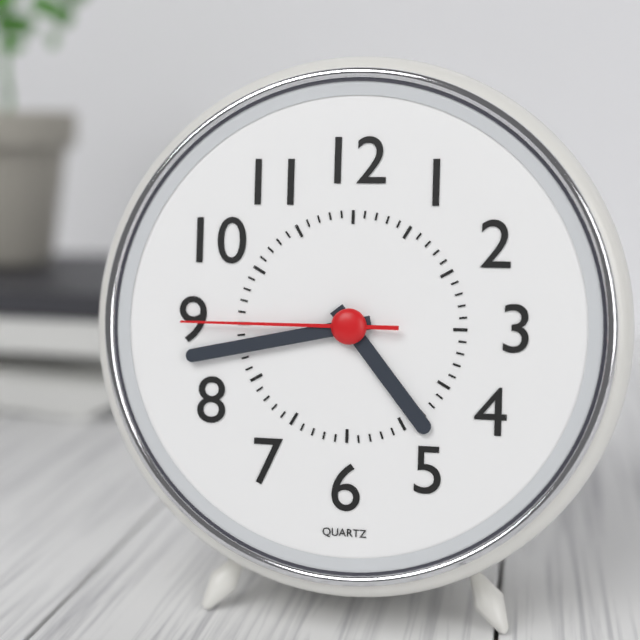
4:43:45
